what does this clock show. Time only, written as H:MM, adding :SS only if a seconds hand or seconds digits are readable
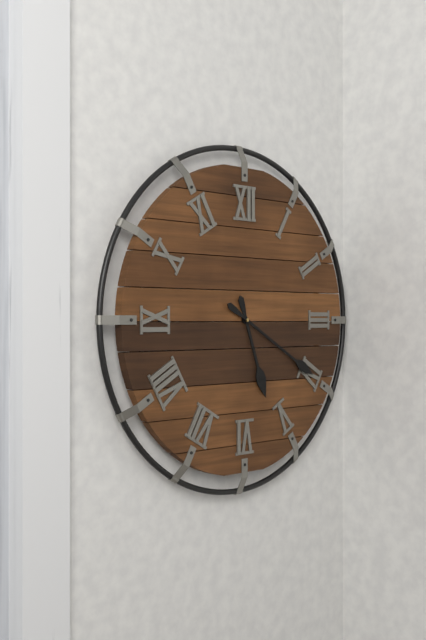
5:20
